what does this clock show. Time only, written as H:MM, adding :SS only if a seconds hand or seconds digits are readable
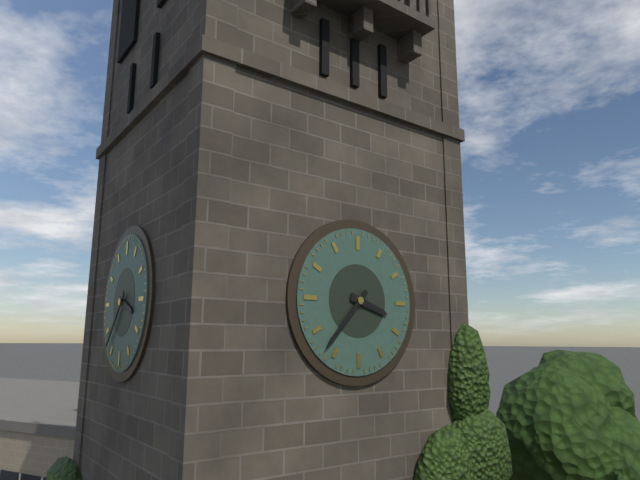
3:37
